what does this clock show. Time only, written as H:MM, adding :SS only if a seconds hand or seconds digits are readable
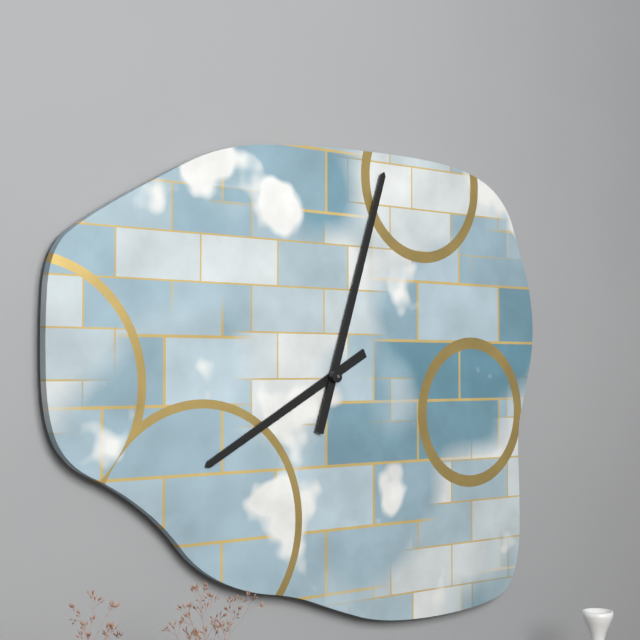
8:03
